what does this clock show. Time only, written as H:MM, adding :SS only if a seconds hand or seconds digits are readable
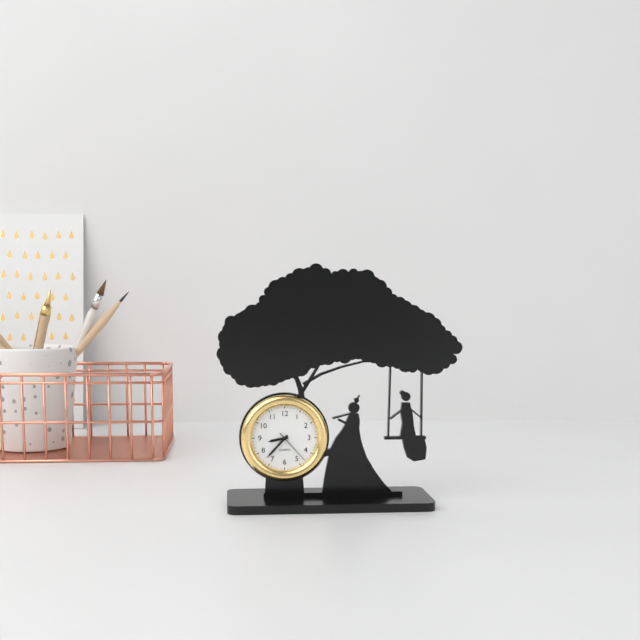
8:37
